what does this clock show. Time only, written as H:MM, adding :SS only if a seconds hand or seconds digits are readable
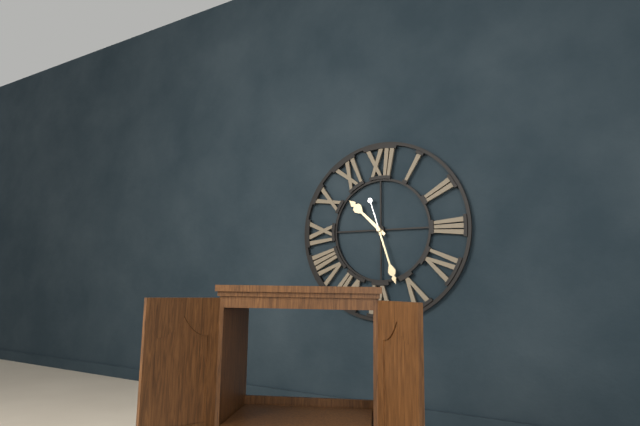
10:27
